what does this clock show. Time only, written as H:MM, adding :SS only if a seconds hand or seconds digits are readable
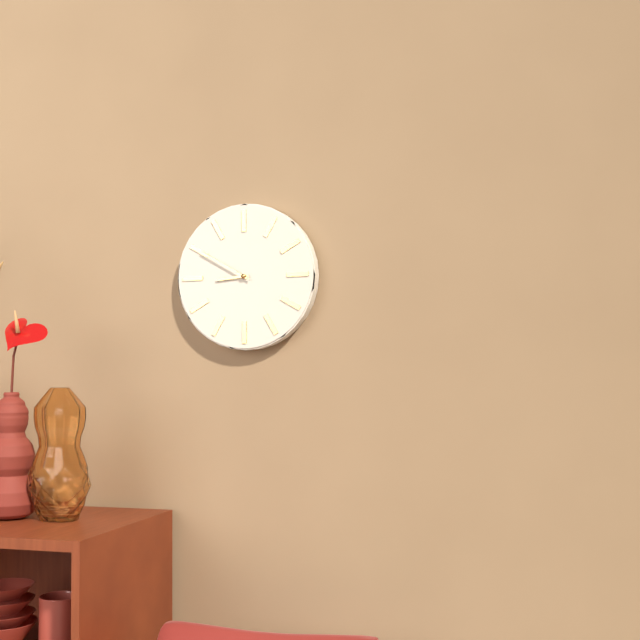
8:50
